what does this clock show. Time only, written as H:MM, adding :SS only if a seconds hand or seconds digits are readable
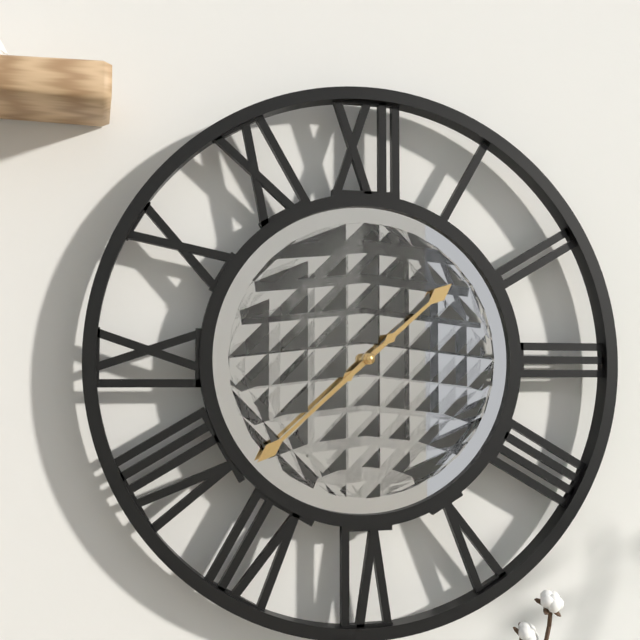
1:38
